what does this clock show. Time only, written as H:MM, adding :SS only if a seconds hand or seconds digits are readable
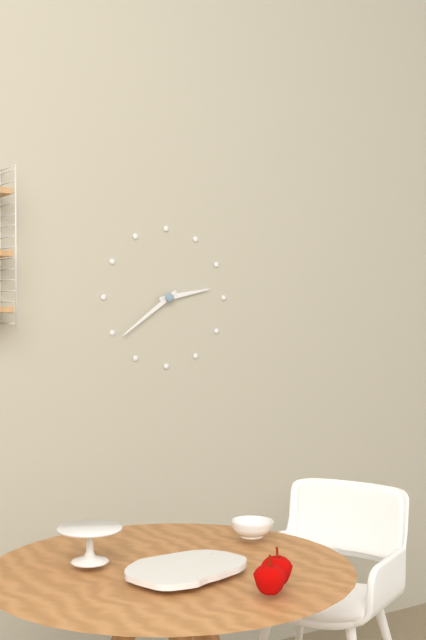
2:39
